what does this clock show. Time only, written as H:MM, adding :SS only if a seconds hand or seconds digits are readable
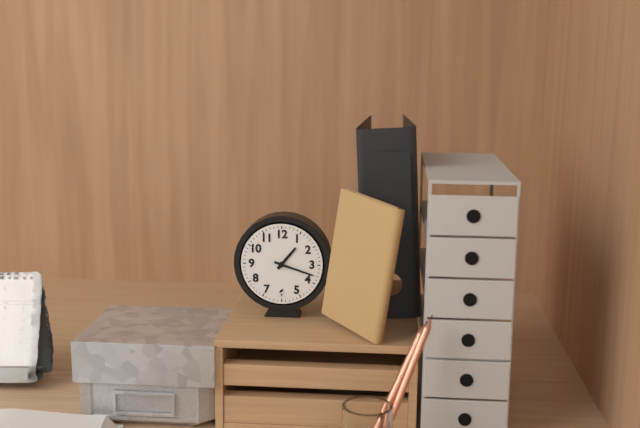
1:18
